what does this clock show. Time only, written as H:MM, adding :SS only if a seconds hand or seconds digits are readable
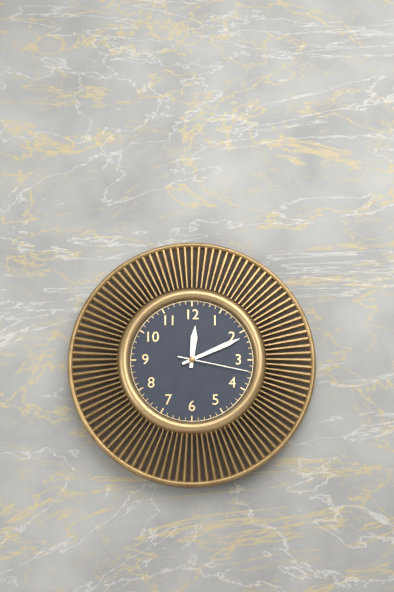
12:11:17
